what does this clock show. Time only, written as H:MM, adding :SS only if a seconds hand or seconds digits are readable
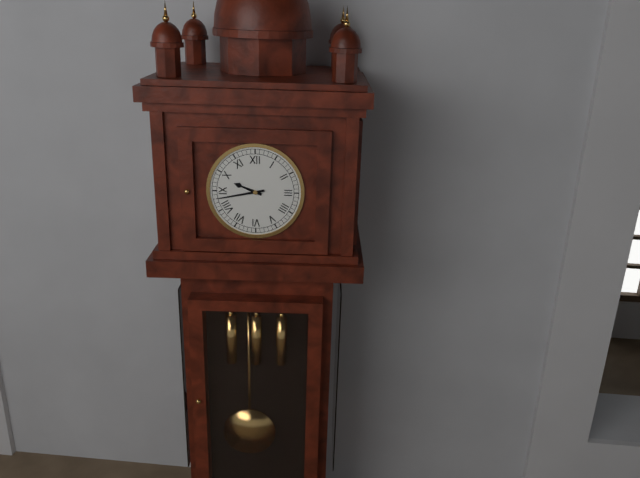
9:43
